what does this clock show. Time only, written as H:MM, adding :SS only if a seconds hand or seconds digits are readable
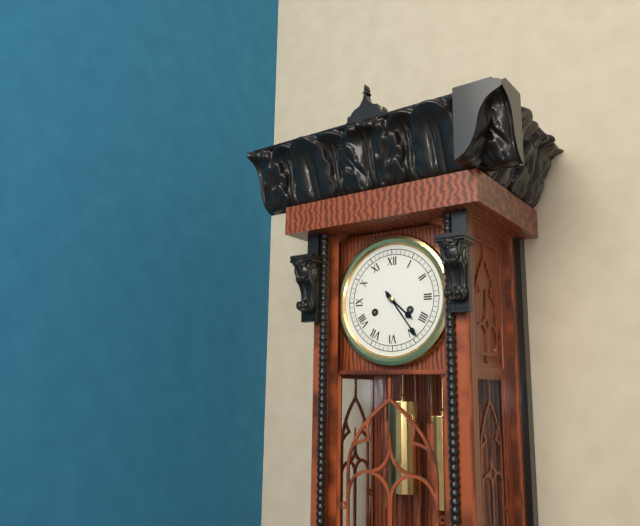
4:24
